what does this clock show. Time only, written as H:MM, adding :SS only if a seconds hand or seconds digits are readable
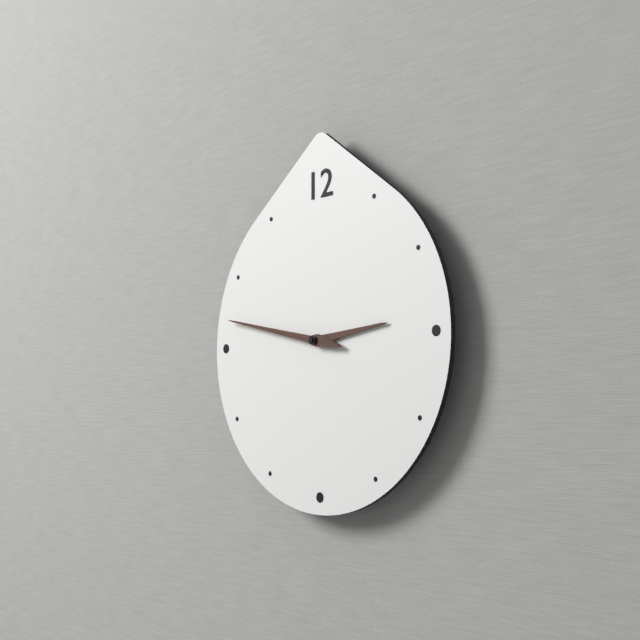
2:47
